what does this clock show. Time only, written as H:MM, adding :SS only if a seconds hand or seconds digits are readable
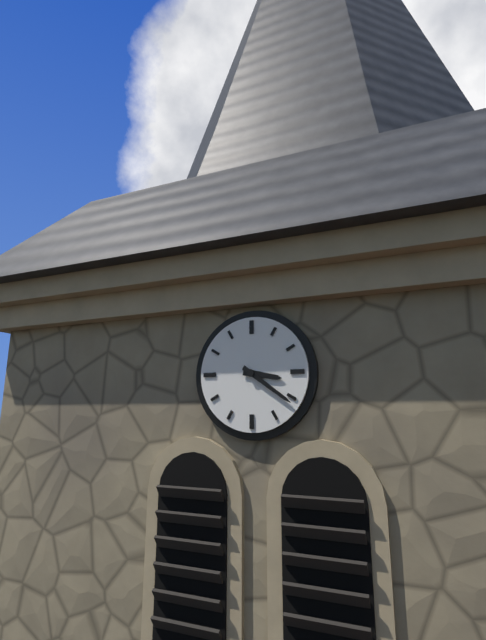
3:21
